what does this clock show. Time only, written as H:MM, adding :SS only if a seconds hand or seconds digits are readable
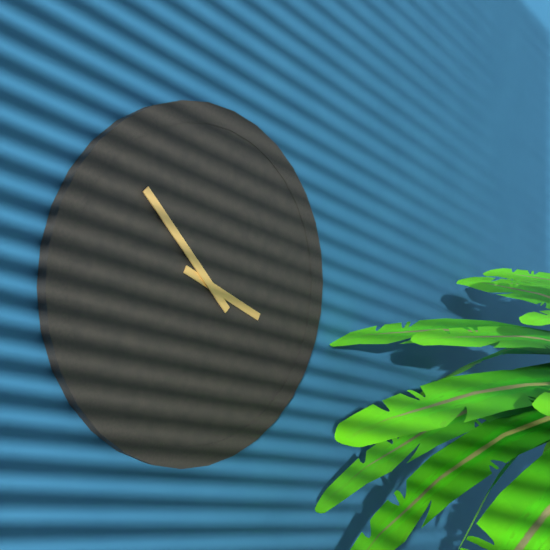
3:53
